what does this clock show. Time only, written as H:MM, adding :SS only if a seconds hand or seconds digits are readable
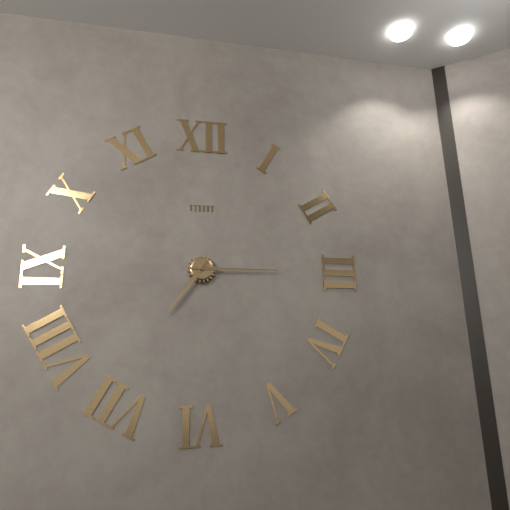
7:15
